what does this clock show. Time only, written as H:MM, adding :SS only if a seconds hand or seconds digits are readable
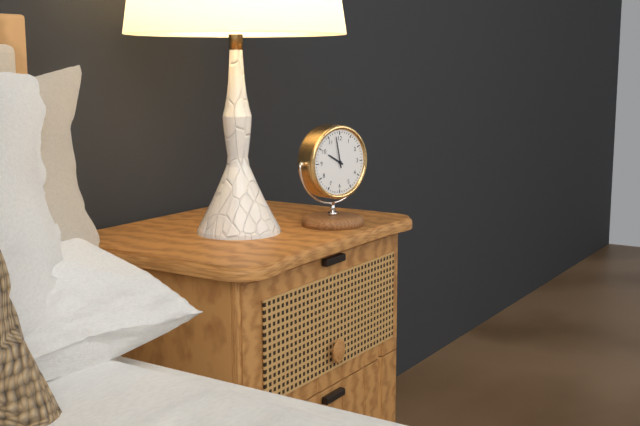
9:58
